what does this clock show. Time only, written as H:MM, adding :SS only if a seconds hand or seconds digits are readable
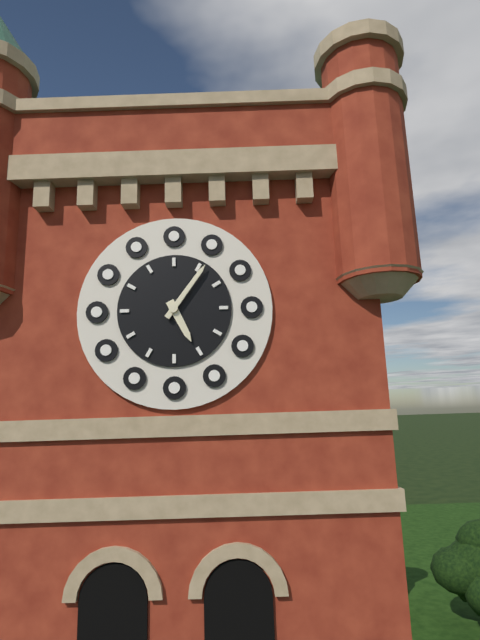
5:06
